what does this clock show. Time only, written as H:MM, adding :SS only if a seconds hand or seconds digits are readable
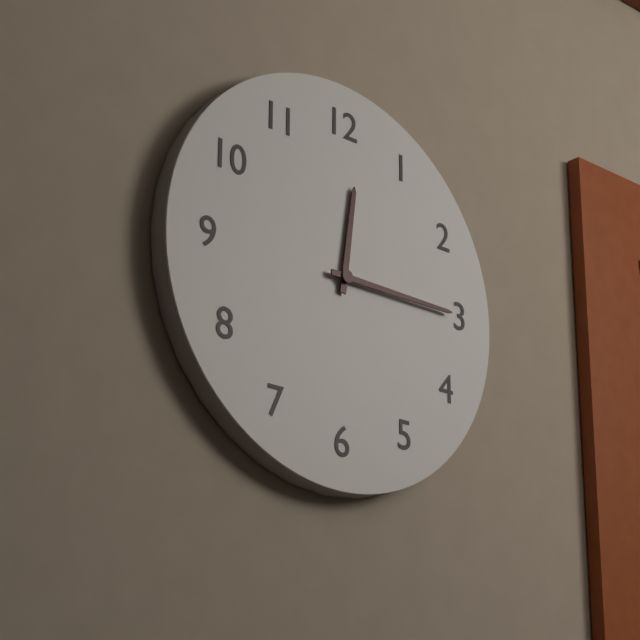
12:15
